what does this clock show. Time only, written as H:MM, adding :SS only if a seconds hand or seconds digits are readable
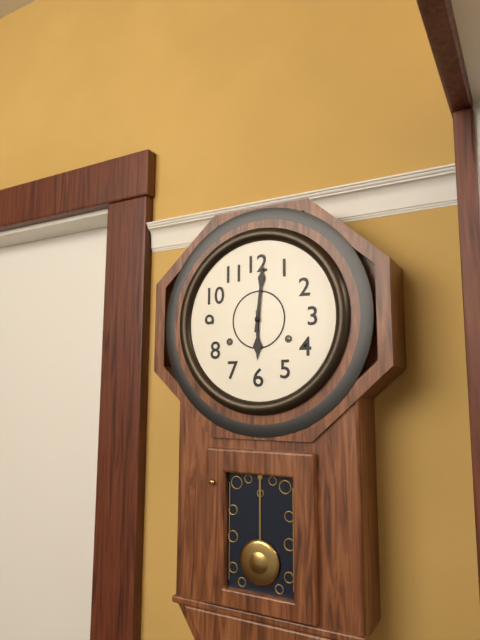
6:01
